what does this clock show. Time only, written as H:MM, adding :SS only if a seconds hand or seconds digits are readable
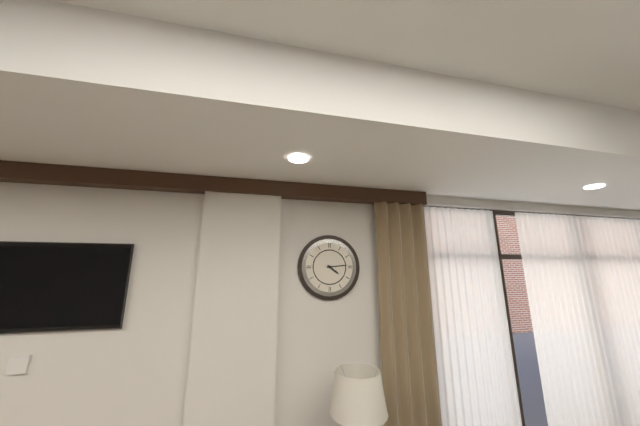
4:14
